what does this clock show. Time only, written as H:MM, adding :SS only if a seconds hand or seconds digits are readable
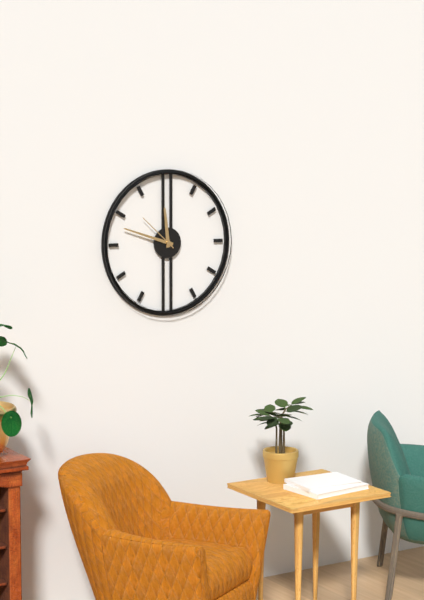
11:48
